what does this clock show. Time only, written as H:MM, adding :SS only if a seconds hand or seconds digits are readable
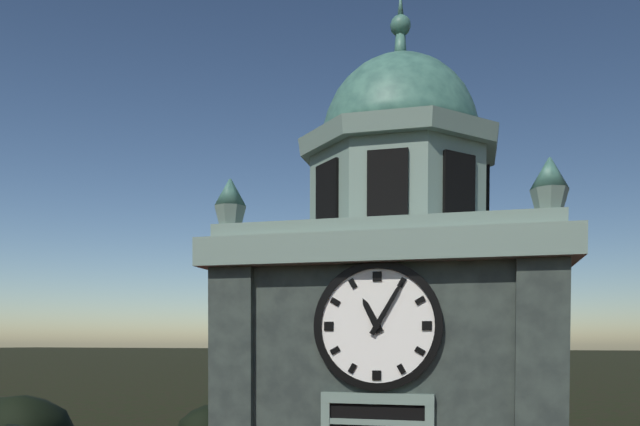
11:05
